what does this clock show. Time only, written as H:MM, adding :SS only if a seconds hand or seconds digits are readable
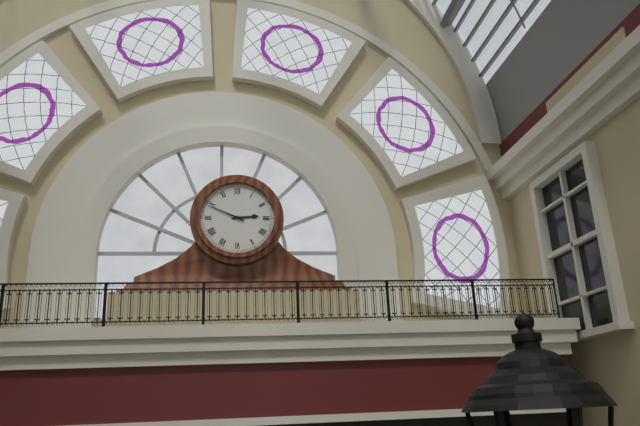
2:49
